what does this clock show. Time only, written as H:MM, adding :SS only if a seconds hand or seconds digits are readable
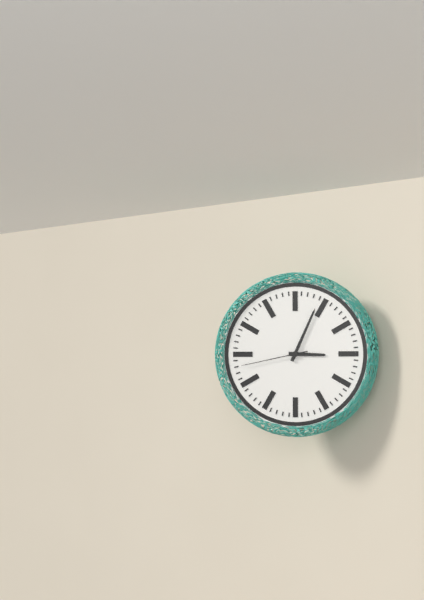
3:04:43
